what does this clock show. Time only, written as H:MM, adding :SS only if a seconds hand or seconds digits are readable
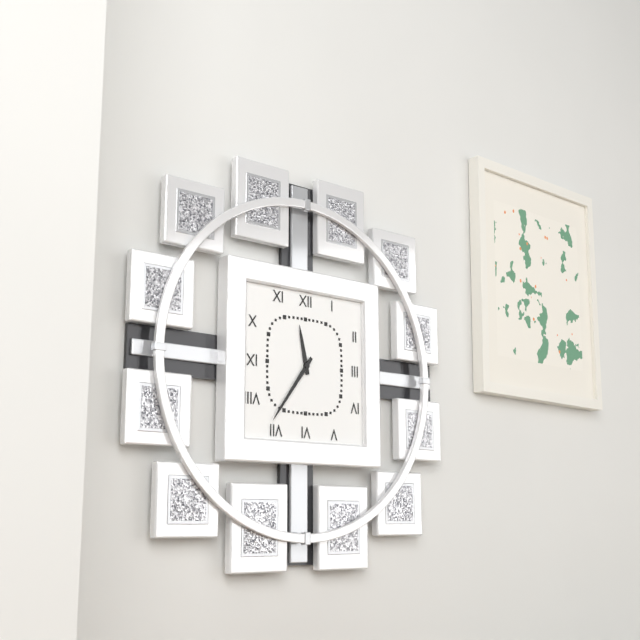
11:36
